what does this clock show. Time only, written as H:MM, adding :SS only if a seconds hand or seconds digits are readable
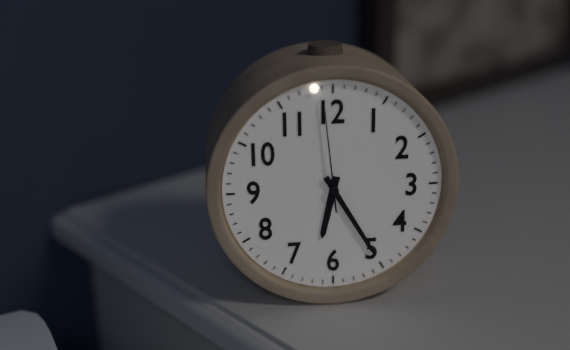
6:25:59
